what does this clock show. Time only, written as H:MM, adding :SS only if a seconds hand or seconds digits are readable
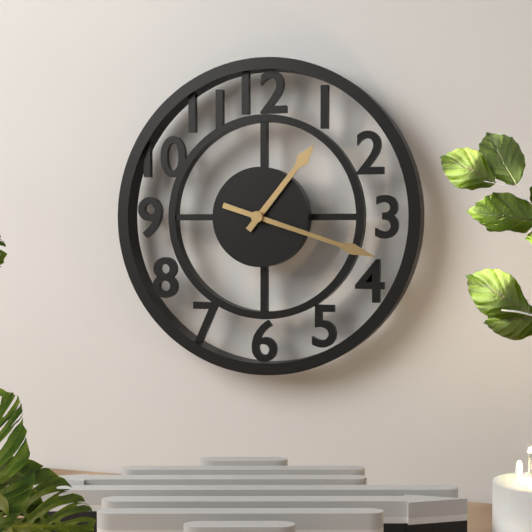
1:18
